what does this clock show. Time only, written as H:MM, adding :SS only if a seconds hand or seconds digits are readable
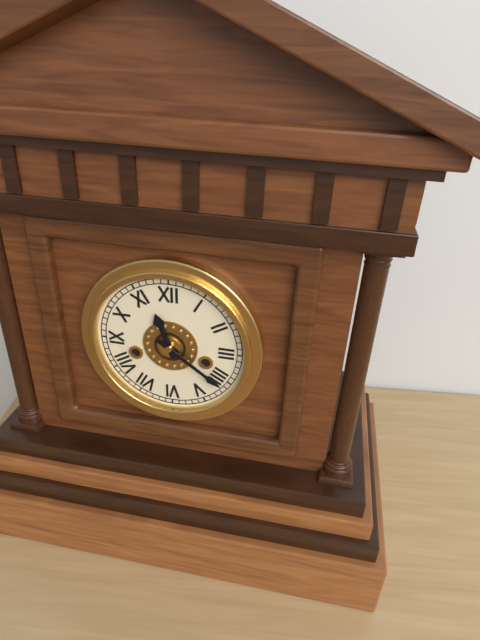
11:21
